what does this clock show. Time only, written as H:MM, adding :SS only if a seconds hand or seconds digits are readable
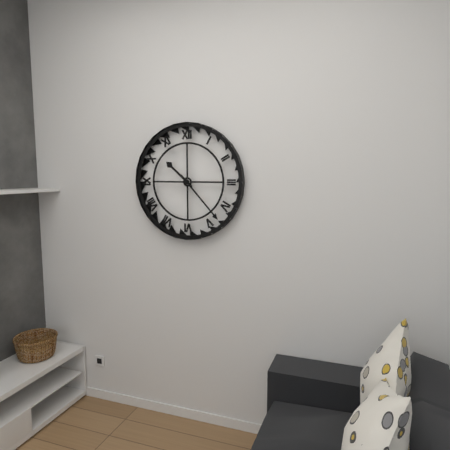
10:23
